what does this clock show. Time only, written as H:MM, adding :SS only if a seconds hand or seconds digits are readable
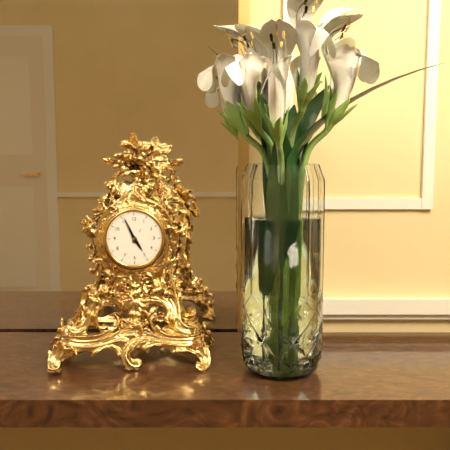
4:56
